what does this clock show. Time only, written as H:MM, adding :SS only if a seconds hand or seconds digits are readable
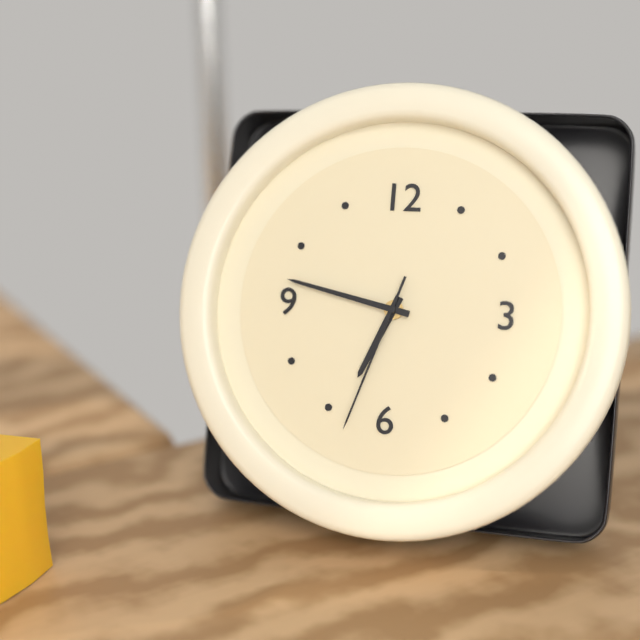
6:47:33
